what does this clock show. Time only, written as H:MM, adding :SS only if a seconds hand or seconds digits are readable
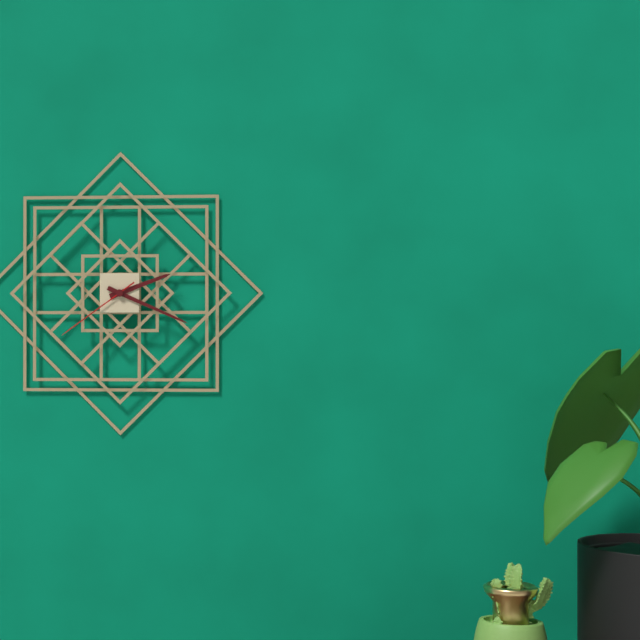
2:19:39
